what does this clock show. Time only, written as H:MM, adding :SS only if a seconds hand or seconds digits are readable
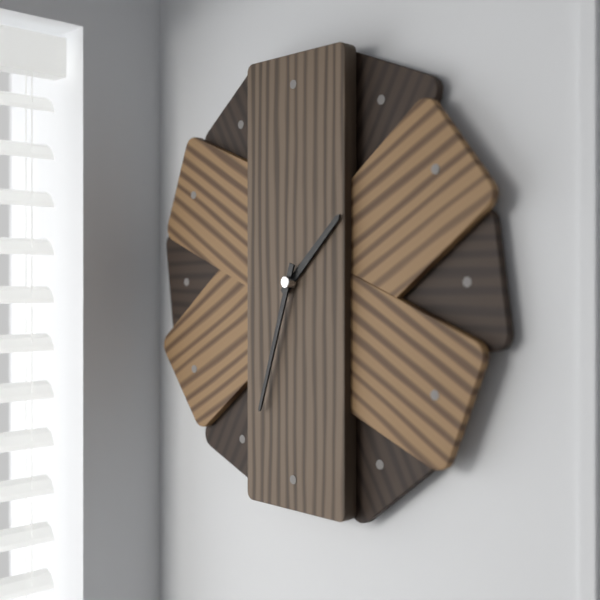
1:33
